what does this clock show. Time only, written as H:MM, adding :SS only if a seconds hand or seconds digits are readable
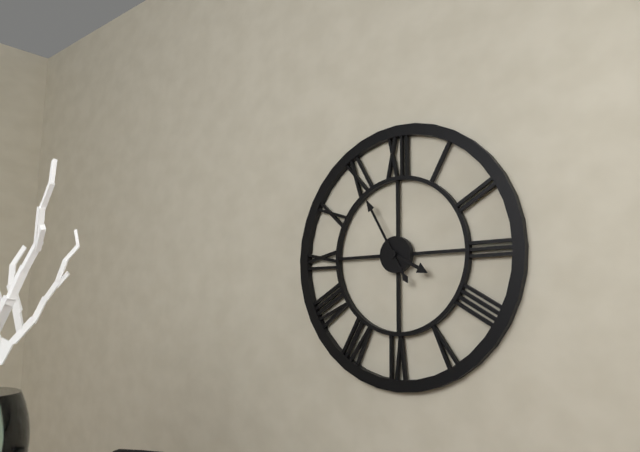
3:55
